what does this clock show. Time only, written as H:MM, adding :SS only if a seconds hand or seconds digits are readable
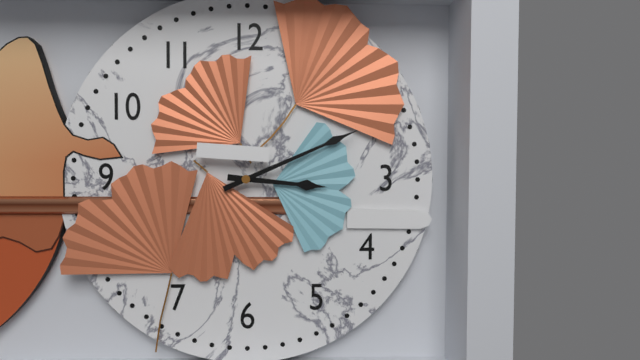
3:11
